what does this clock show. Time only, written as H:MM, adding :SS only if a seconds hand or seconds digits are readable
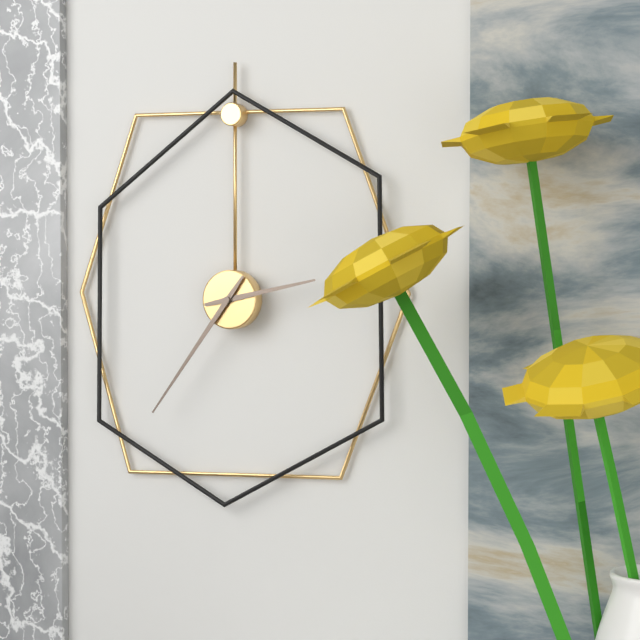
2:36
